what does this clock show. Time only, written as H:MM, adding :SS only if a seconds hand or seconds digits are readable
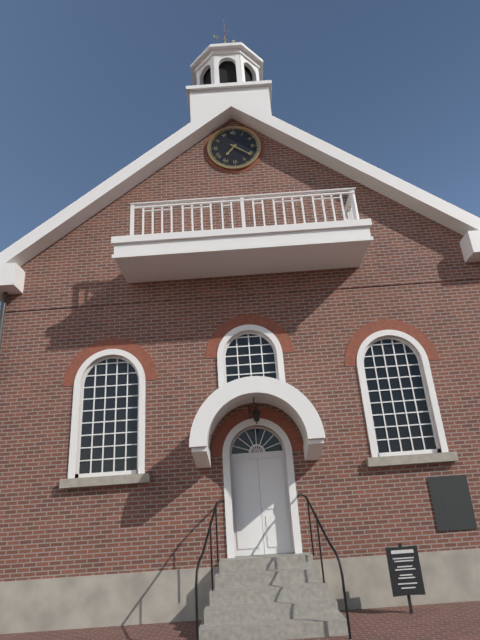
7:21
